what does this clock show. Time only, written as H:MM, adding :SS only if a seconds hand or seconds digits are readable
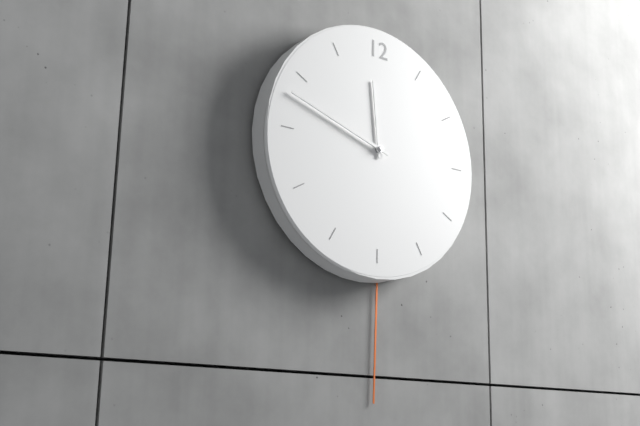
11:48
